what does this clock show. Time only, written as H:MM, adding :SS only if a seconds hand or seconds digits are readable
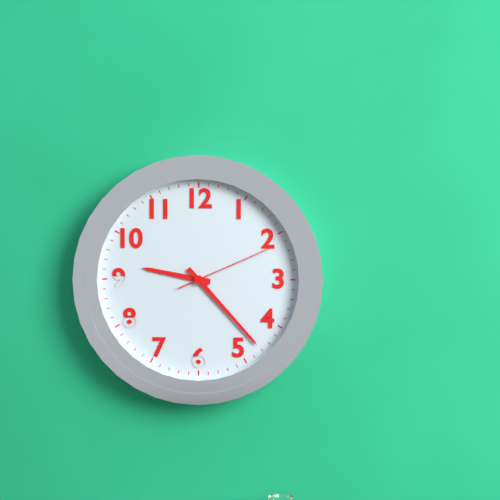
9:23:11
